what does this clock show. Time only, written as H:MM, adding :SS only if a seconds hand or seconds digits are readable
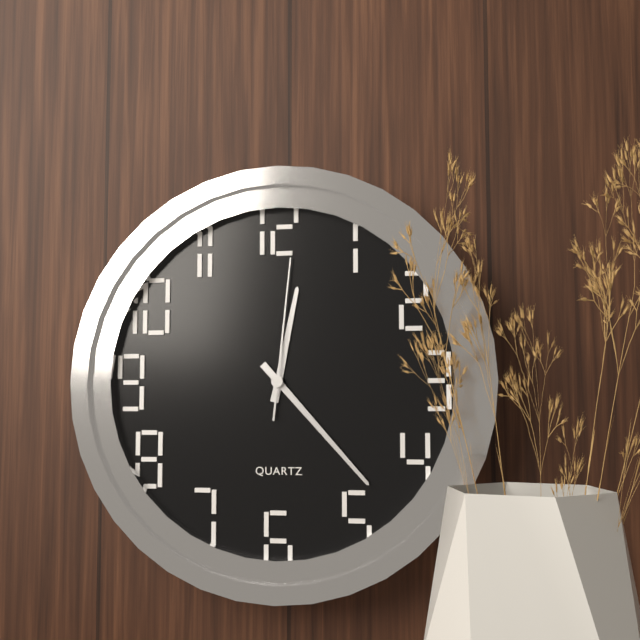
12:23:01
